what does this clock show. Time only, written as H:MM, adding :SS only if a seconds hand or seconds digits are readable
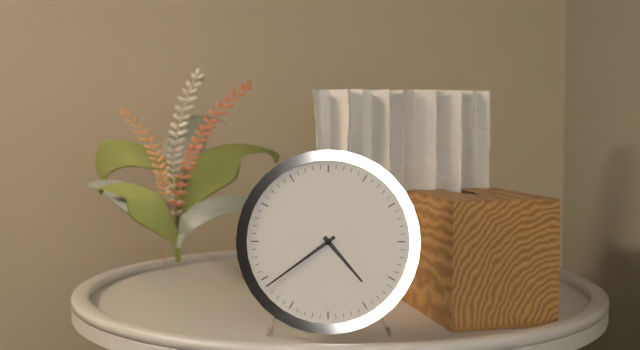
4:39
